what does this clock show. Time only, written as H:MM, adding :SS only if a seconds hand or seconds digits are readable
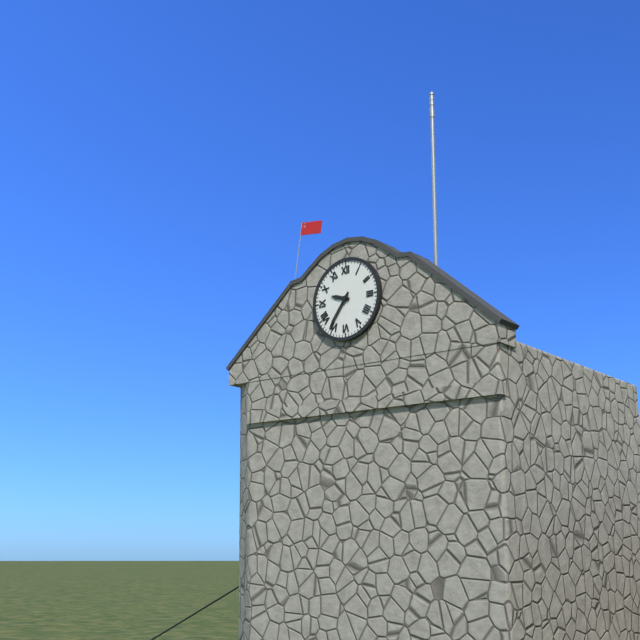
9:36
